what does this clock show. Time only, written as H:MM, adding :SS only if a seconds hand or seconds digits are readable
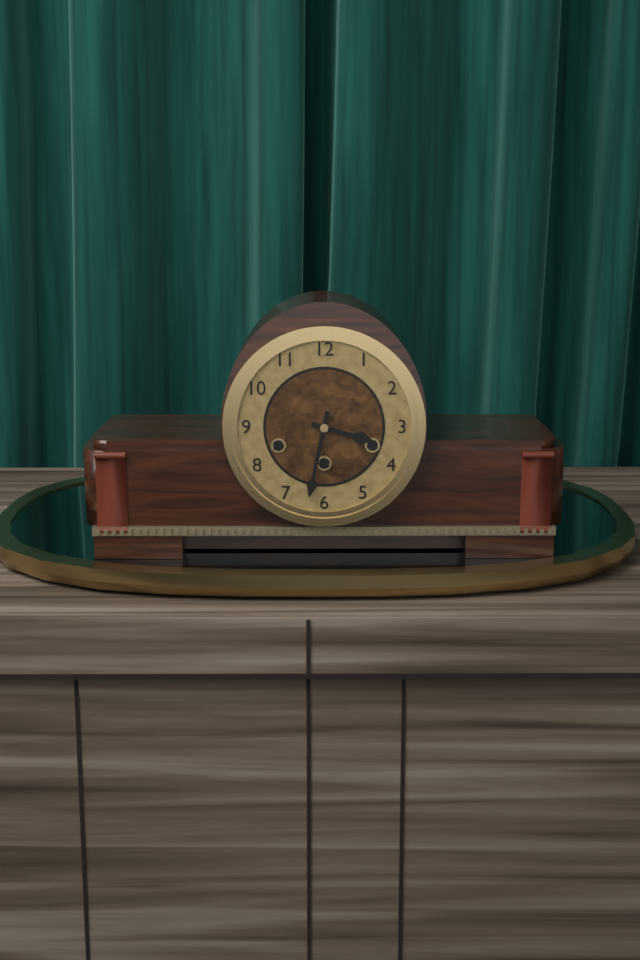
3:32
